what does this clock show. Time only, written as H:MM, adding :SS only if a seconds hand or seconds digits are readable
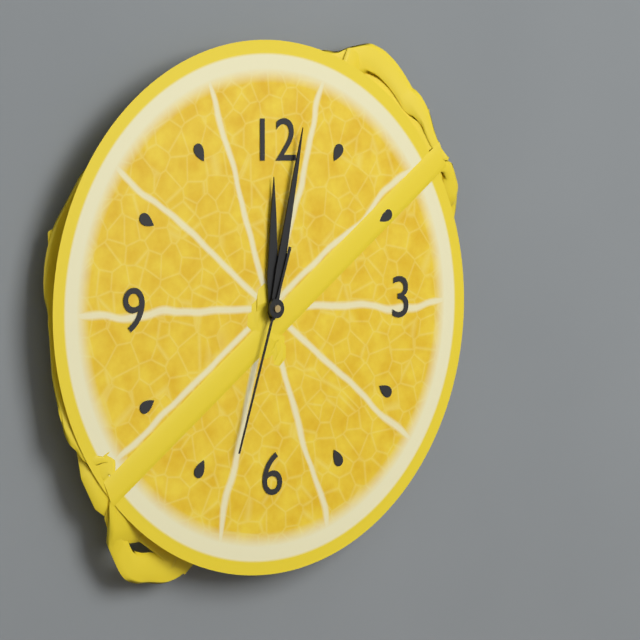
12:02:33
